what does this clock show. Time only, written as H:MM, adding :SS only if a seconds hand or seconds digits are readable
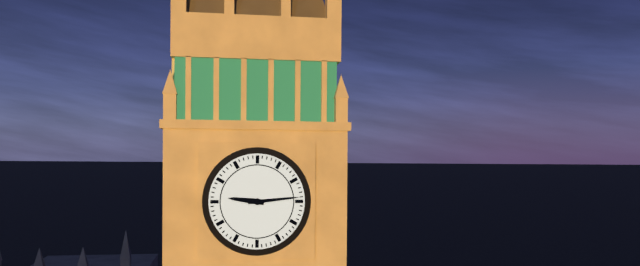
9:14
